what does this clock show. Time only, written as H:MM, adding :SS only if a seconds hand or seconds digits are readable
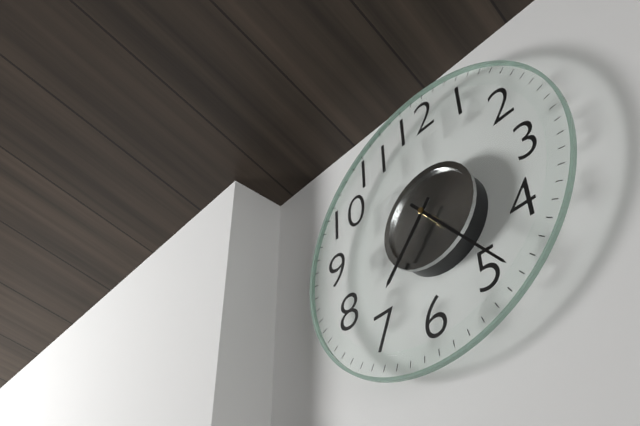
7:24
